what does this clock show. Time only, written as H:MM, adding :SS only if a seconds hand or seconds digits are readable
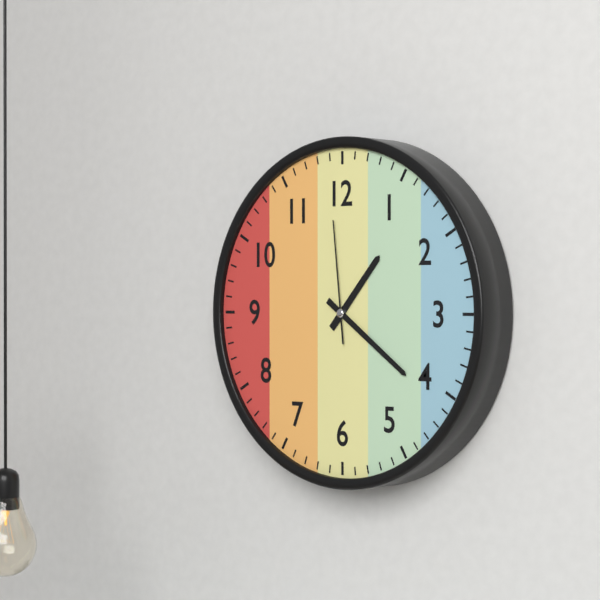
1:21:59
